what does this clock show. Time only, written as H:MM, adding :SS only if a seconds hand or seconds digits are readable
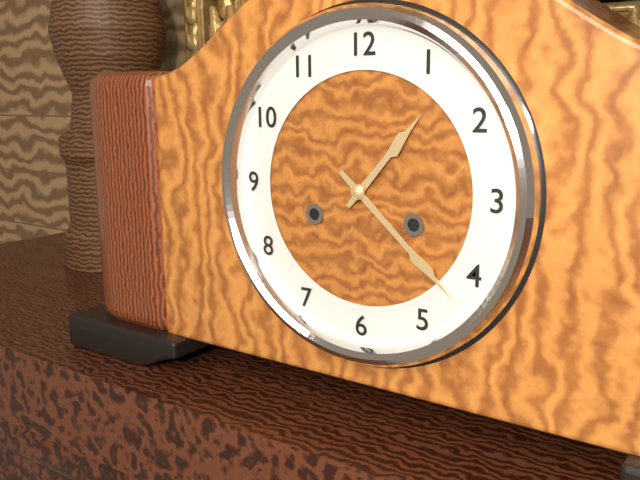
1:22
